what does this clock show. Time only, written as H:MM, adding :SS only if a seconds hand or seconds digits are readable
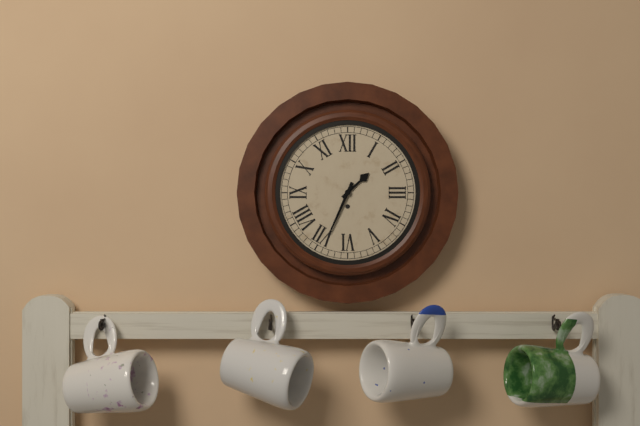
1:34
